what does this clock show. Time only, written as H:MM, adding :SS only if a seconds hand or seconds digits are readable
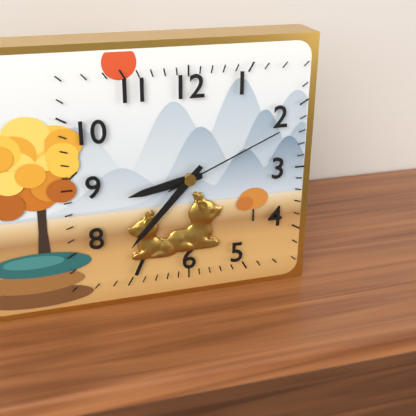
8:37:11
